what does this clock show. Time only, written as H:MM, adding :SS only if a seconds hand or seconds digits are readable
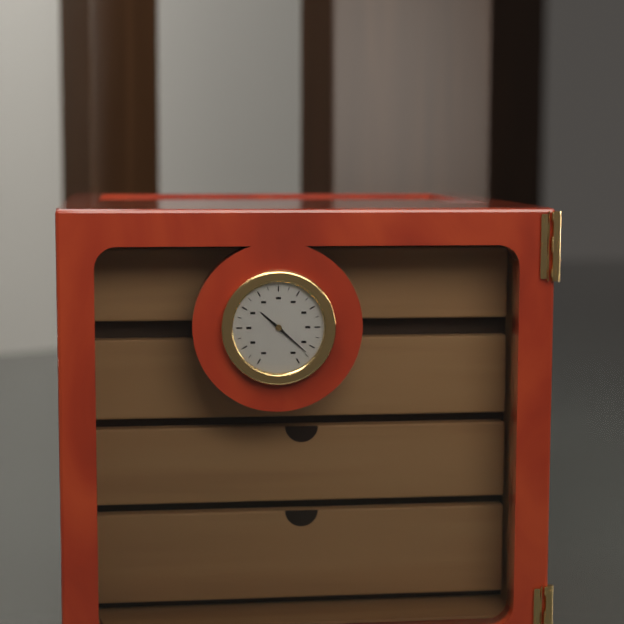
10:22
